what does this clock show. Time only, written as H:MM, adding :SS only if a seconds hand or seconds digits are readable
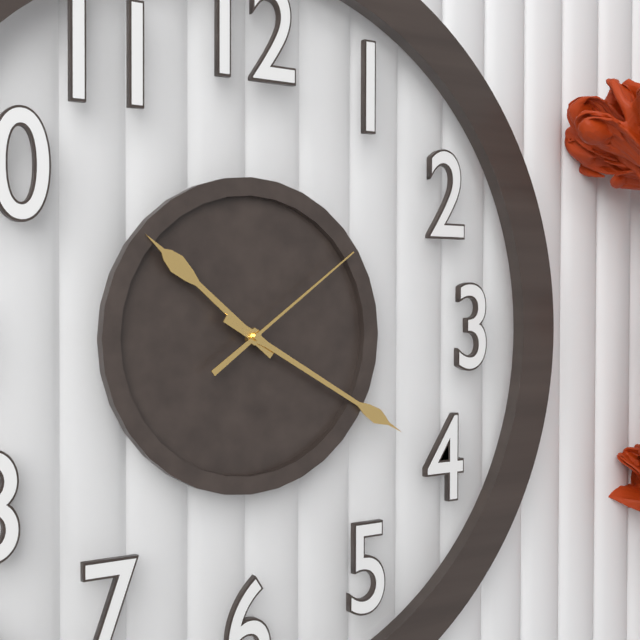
10:20:09
